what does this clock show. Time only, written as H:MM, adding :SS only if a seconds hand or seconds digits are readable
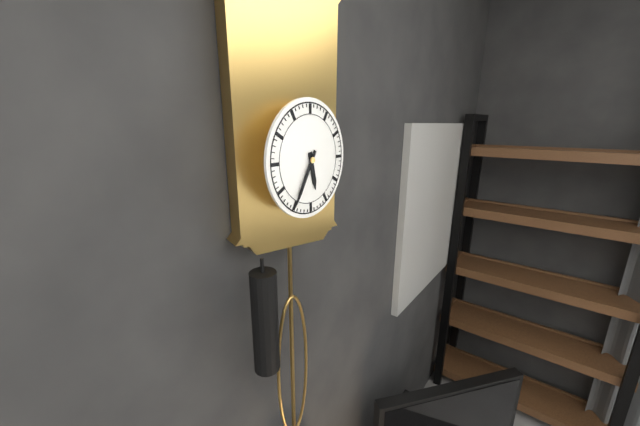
5:35
